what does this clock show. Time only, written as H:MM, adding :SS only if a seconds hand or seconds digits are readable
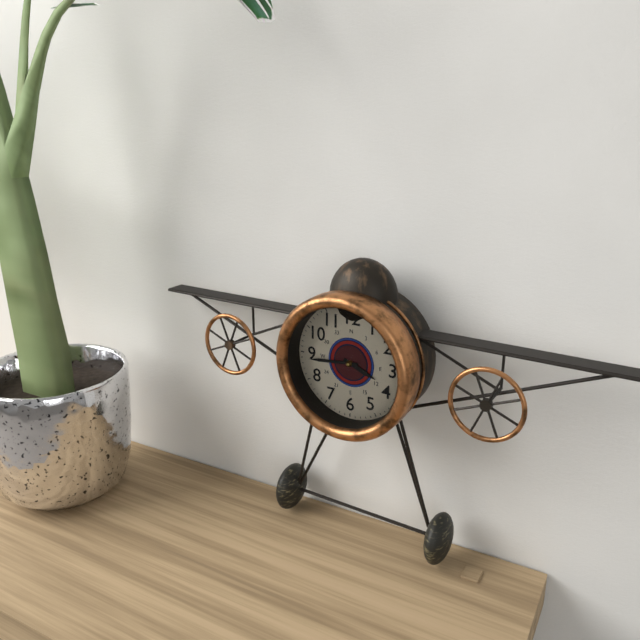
3:44
